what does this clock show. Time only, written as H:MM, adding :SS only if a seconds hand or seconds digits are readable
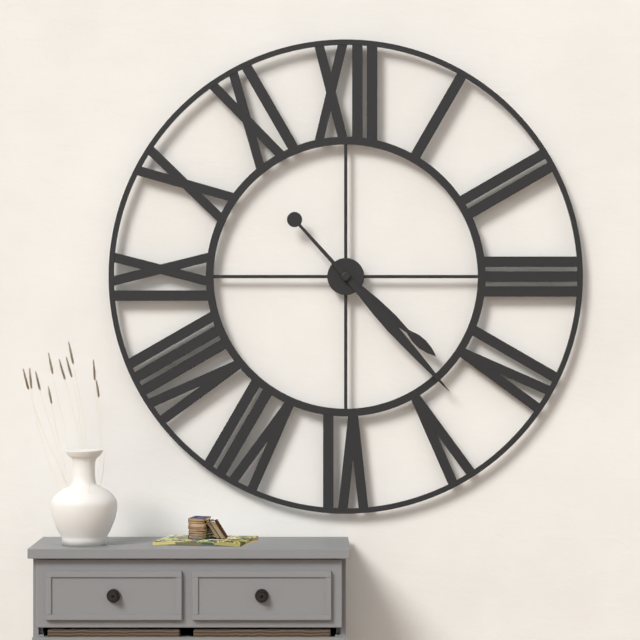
4:23
